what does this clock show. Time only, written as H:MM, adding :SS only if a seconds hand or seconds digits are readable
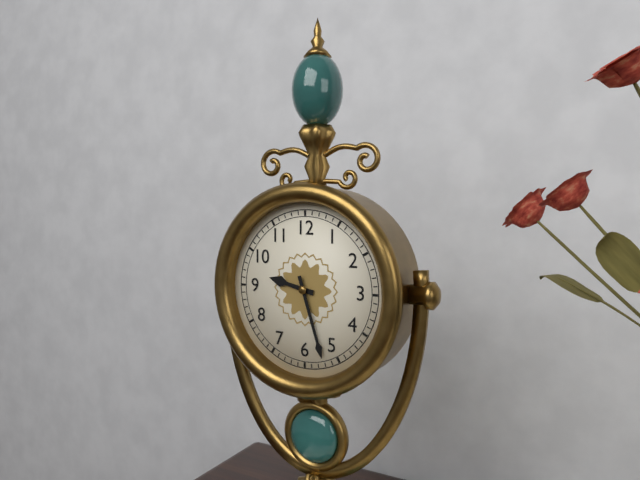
9:27
